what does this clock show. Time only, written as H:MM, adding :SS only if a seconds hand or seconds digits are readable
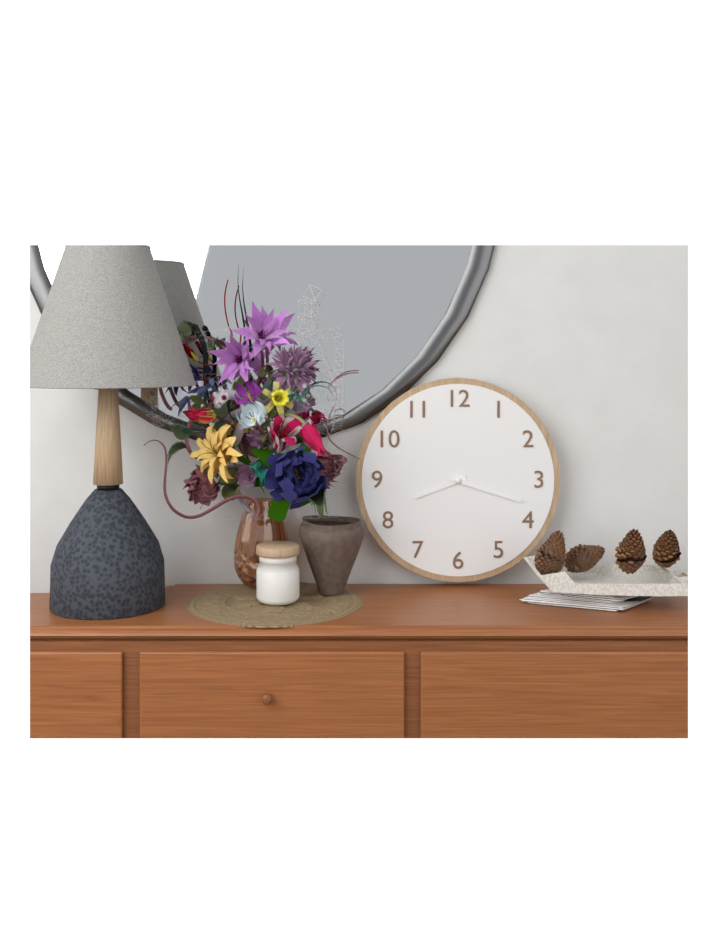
8:18
